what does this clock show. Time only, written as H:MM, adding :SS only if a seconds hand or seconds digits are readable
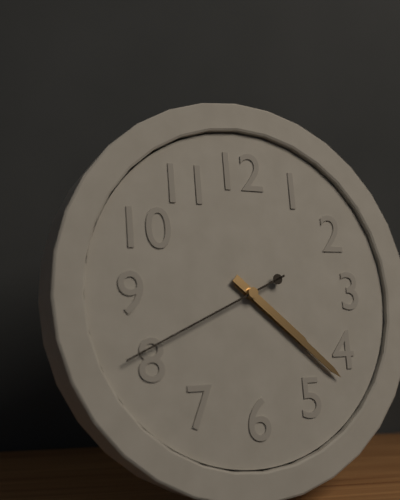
4:22:41
